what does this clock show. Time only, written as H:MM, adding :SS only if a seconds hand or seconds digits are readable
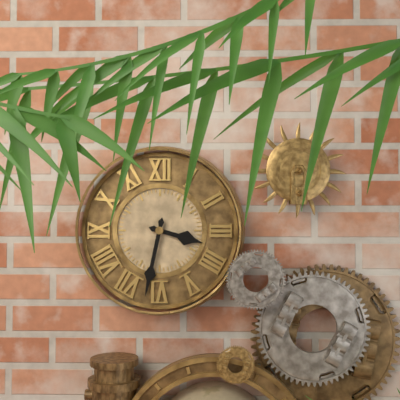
3:32
